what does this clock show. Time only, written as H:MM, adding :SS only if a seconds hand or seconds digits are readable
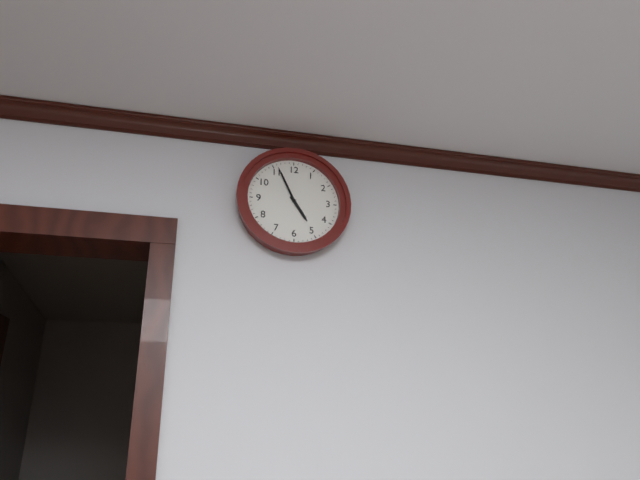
4:56
